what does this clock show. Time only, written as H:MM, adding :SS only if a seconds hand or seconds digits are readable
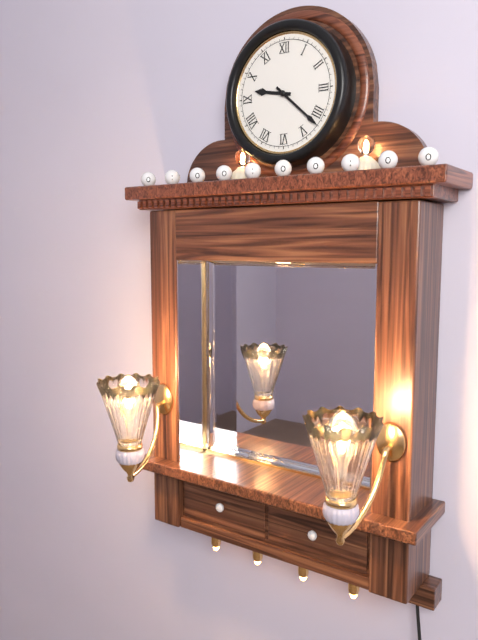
9:22
